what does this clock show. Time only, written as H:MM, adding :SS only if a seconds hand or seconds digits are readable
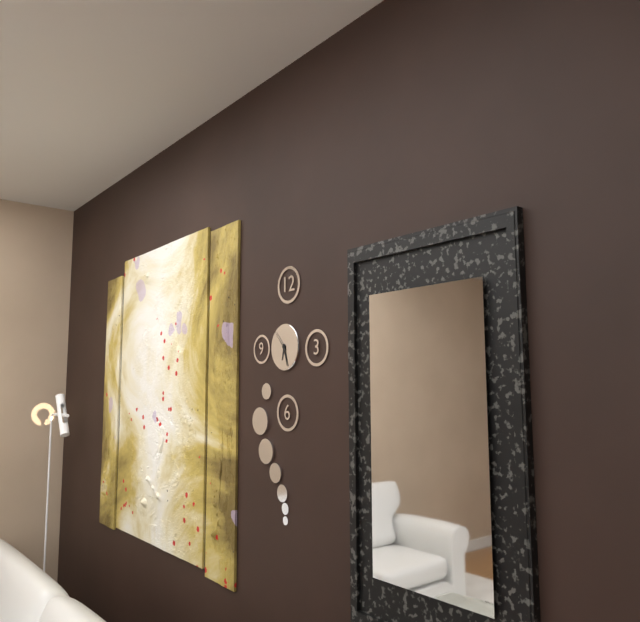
6:27
